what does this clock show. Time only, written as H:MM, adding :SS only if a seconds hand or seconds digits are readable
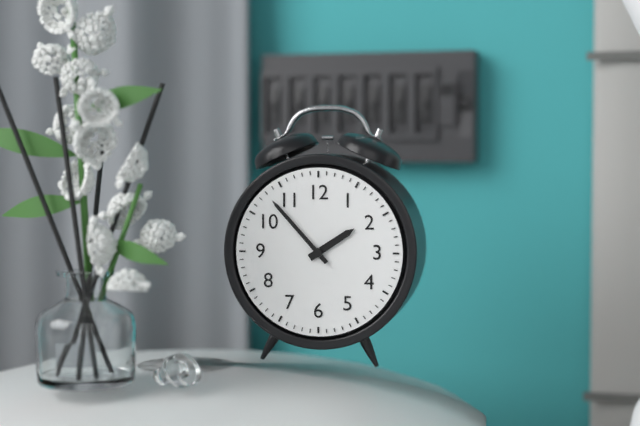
1:53
